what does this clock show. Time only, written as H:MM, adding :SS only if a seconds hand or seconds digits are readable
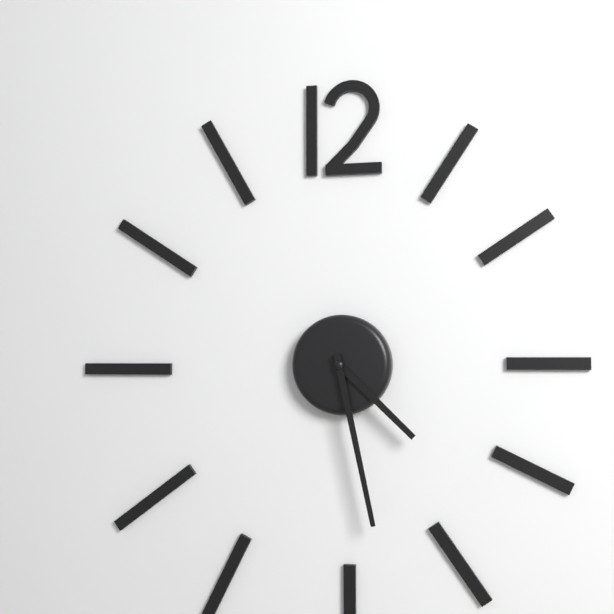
4:28
